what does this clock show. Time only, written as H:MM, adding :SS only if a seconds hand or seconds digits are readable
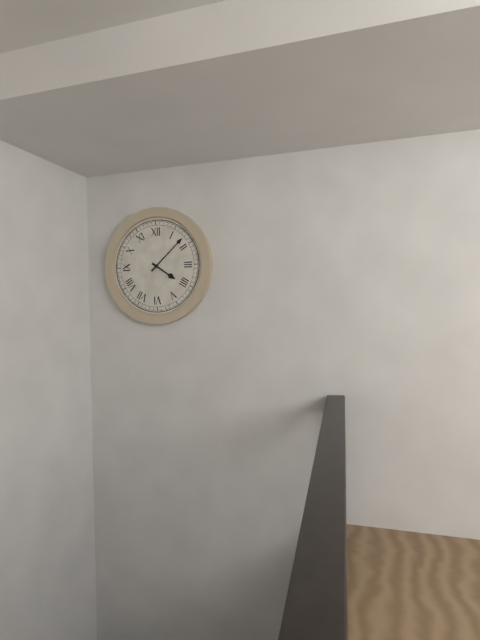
4:08
